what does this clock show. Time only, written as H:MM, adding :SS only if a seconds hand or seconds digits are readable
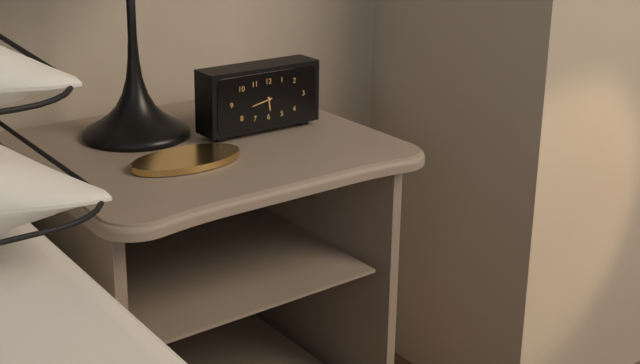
5:43
